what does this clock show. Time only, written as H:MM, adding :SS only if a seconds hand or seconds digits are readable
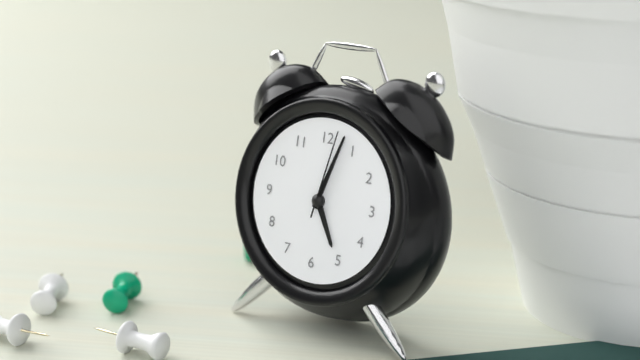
5:03:02
